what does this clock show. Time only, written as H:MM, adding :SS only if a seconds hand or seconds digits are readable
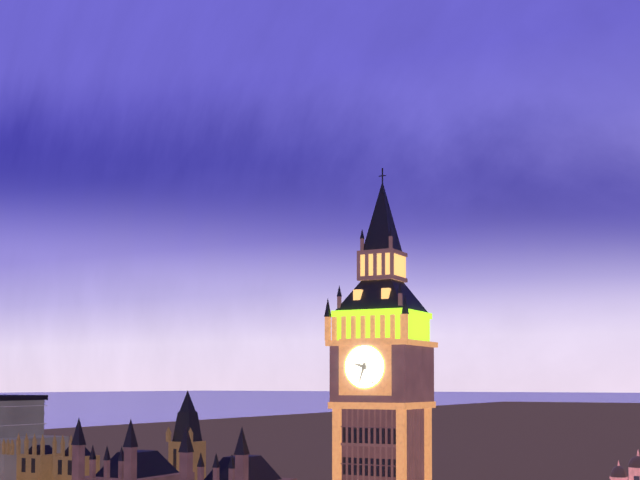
9:33
